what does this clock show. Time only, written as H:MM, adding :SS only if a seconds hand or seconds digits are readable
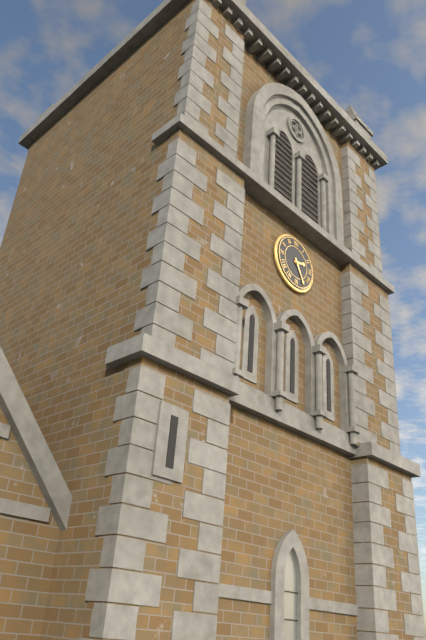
2:25
